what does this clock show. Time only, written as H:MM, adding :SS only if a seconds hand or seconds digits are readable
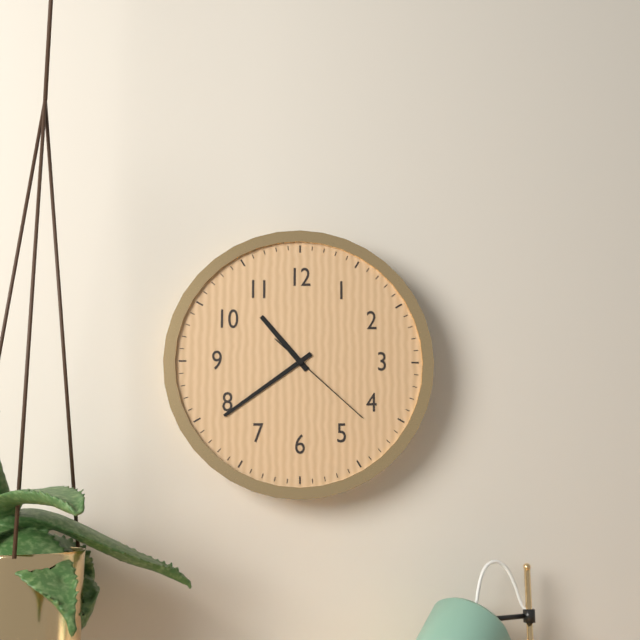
10:39:22
